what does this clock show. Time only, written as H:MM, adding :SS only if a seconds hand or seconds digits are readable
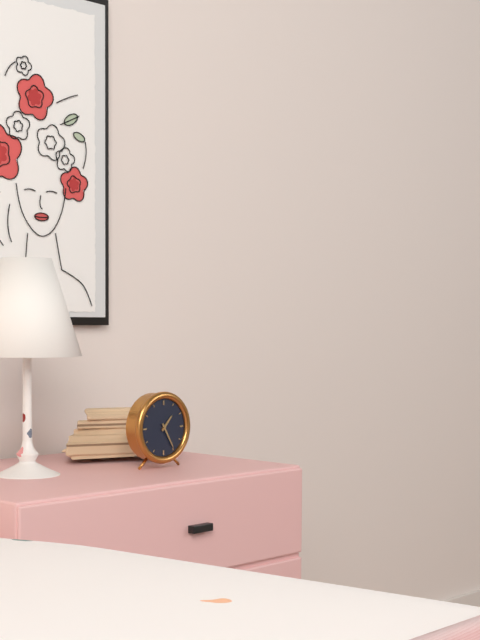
1:25
